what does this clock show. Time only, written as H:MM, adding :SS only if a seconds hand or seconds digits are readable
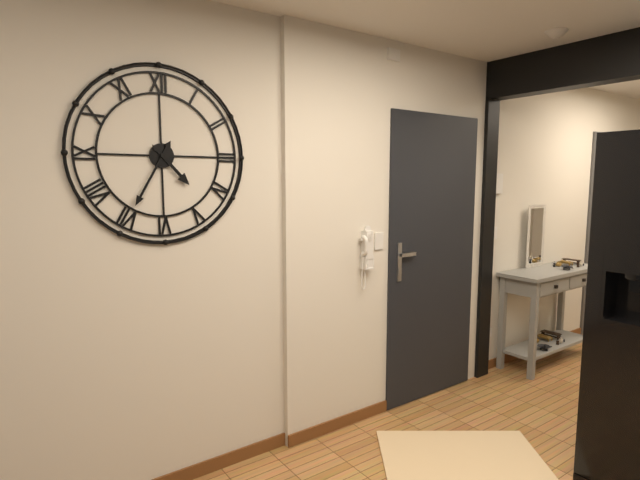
4:35
